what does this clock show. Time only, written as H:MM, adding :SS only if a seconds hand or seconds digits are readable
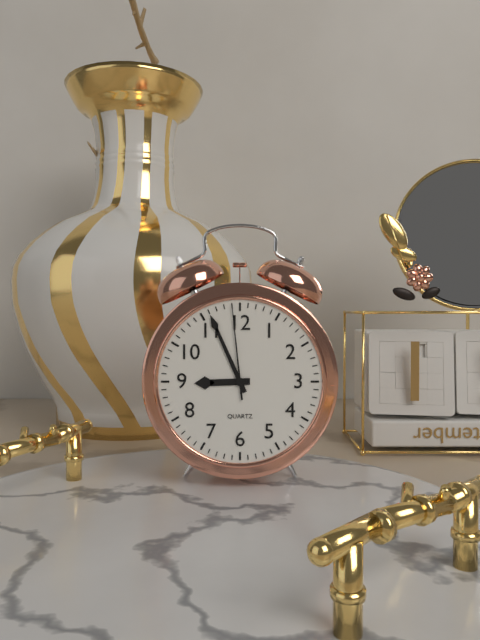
8:56:59
